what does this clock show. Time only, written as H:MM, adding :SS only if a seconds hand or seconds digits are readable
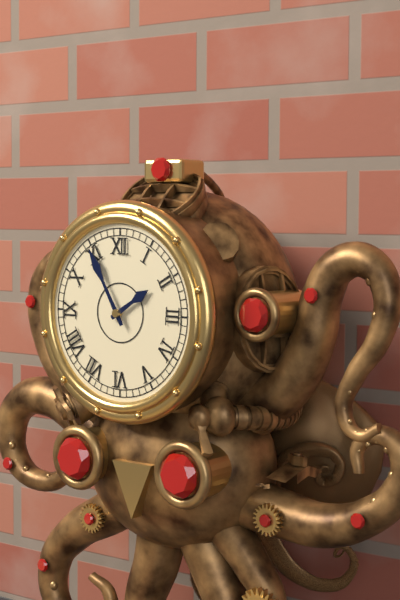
1:55
